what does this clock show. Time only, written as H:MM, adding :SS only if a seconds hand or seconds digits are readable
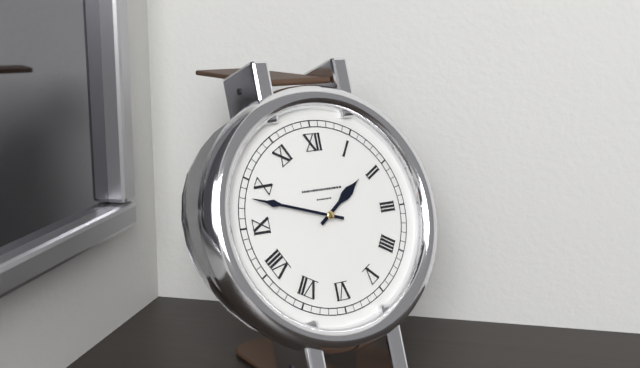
1:48
